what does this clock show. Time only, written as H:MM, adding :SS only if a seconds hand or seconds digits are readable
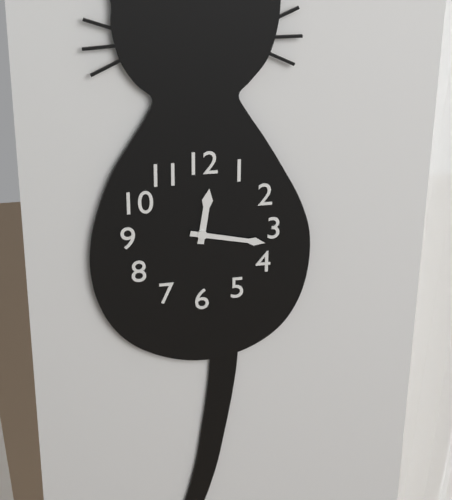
12:17
